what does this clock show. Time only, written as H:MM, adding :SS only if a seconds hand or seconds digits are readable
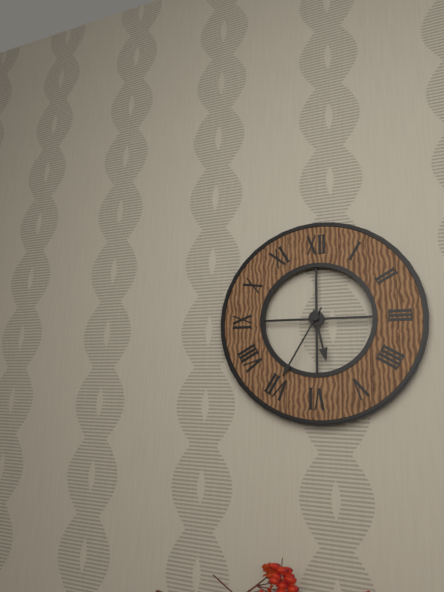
5:35
